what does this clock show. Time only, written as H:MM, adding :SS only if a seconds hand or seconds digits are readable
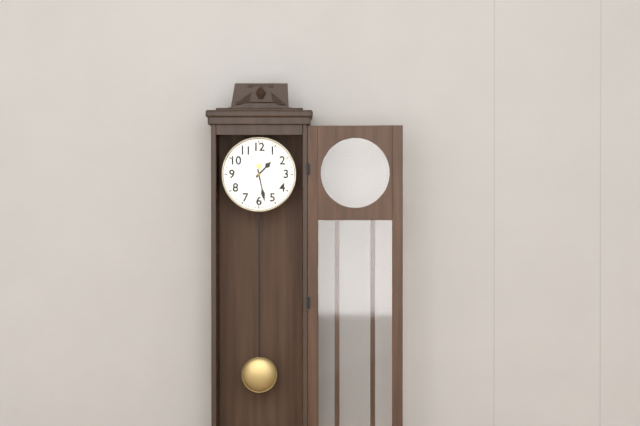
1:28
